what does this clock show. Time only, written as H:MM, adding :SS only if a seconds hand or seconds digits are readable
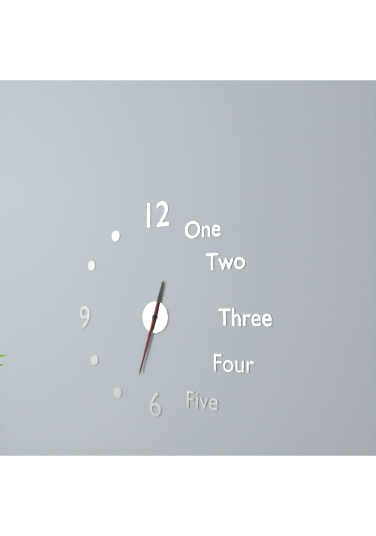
12:33:33
